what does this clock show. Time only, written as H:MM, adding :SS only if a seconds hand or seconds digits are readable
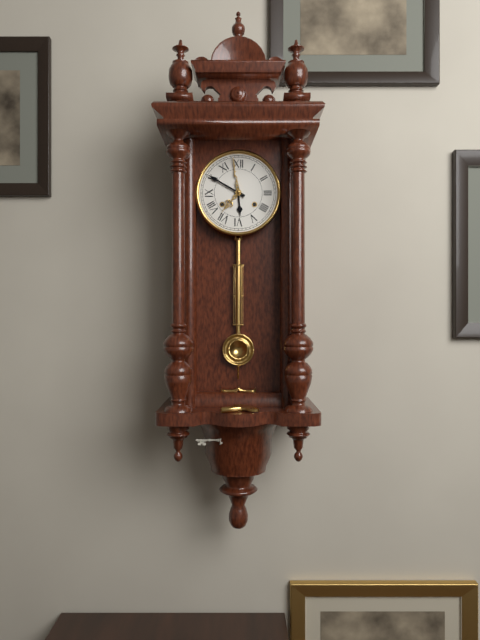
5:50
